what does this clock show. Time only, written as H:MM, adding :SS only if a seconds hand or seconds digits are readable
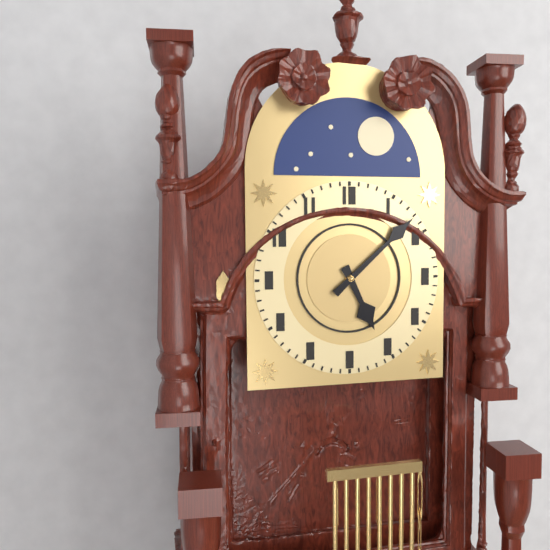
5:08
